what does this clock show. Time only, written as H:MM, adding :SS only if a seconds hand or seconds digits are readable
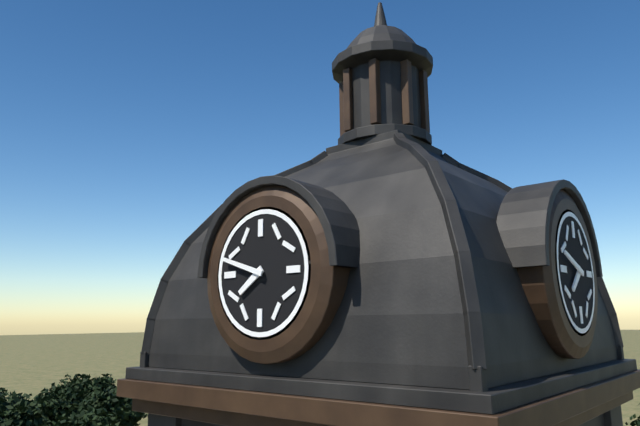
7:48
